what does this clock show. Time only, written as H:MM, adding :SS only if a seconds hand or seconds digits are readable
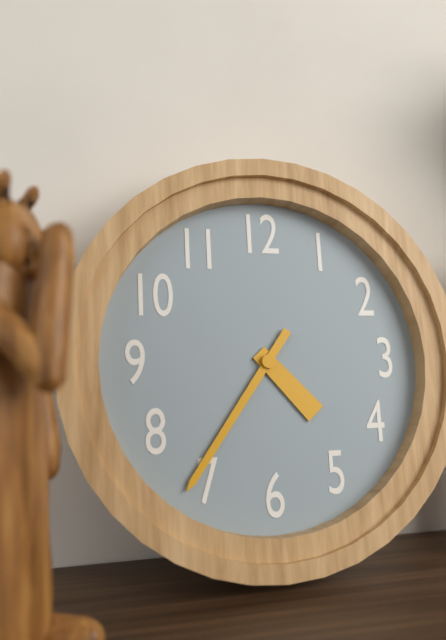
4:36
